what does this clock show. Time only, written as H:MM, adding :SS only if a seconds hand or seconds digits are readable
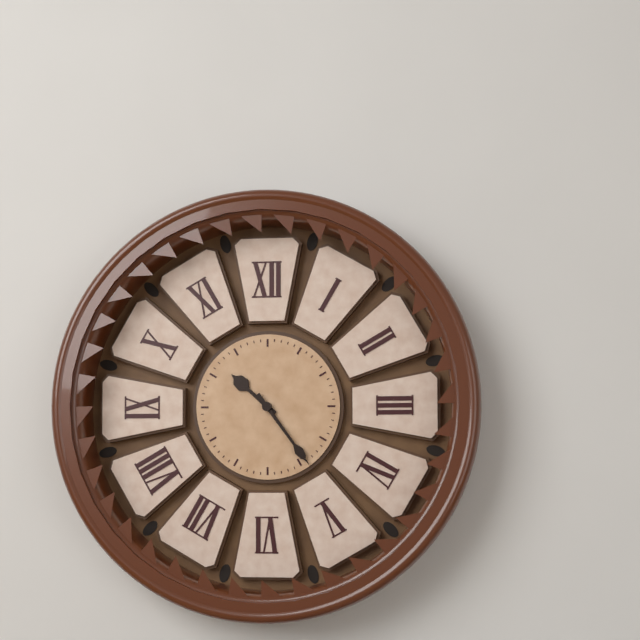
10:24
